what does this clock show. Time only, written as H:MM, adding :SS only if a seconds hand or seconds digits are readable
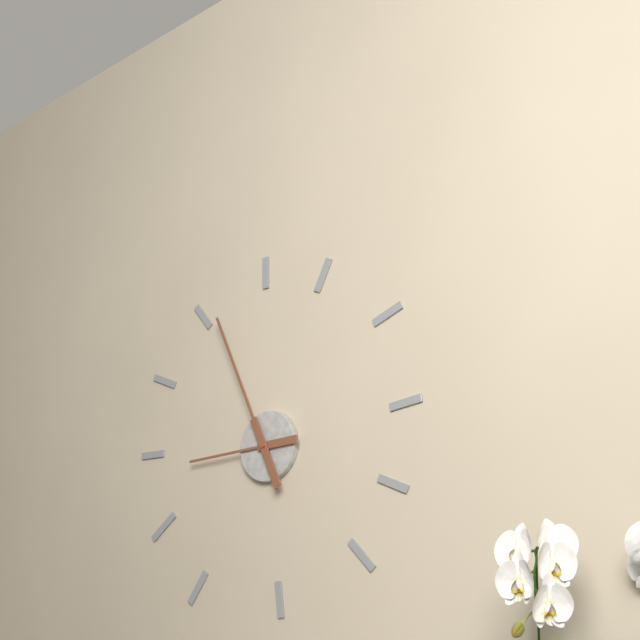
8:56
